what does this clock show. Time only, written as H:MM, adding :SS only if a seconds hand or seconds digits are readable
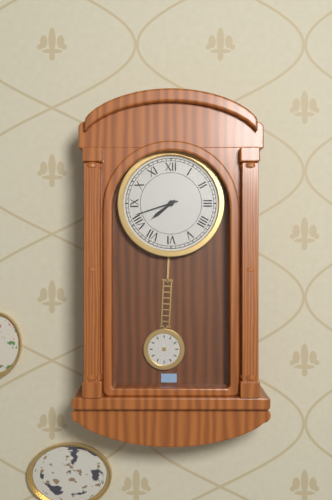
7:42
